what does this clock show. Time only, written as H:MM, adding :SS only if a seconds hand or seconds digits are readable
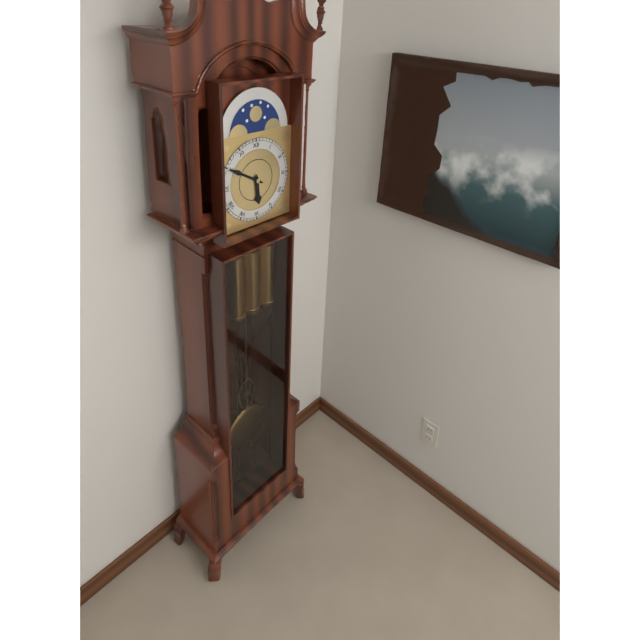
5:50
